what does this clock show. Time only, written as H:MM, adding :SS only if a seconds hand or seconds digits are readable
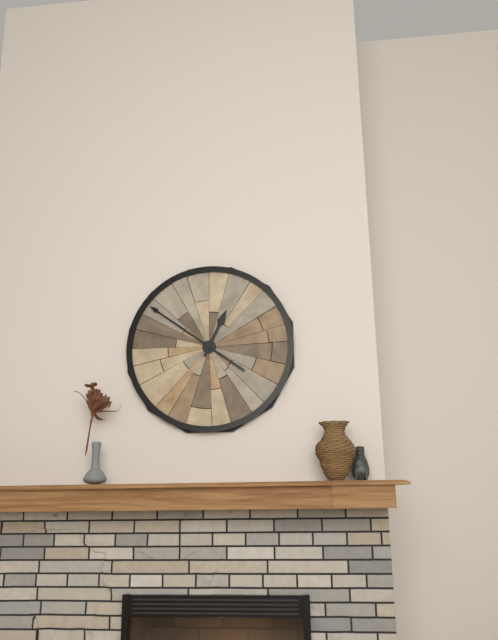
12:51
